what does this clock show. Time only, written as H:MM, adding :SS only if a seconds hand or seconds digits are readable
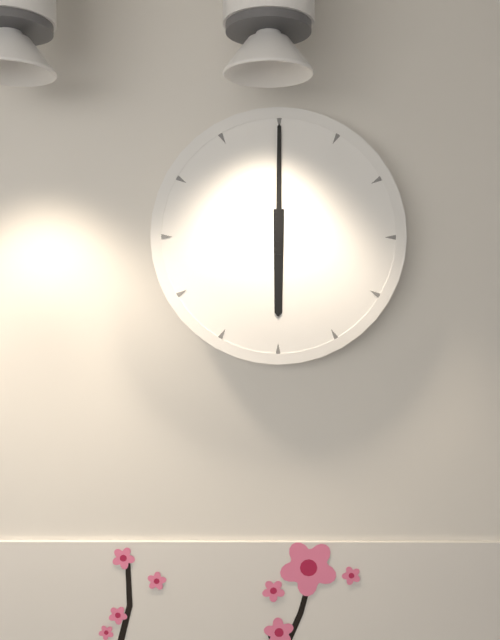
6:00
